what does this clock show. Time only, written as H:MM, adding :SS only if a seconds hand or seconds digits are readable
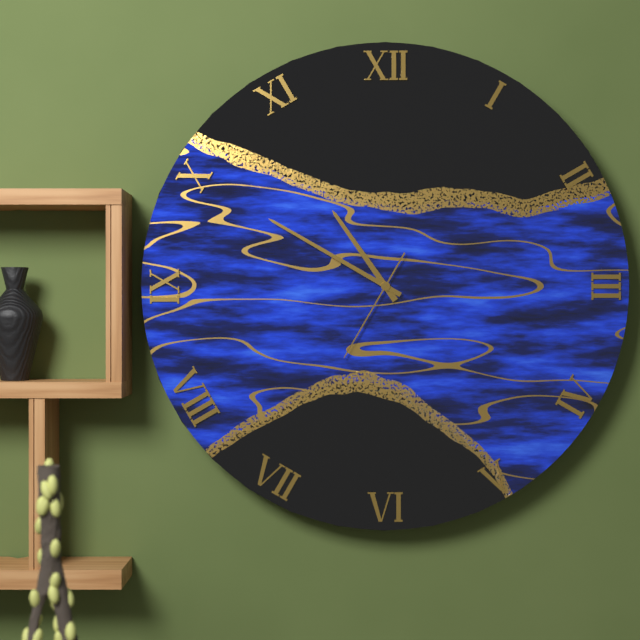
10:50:35
